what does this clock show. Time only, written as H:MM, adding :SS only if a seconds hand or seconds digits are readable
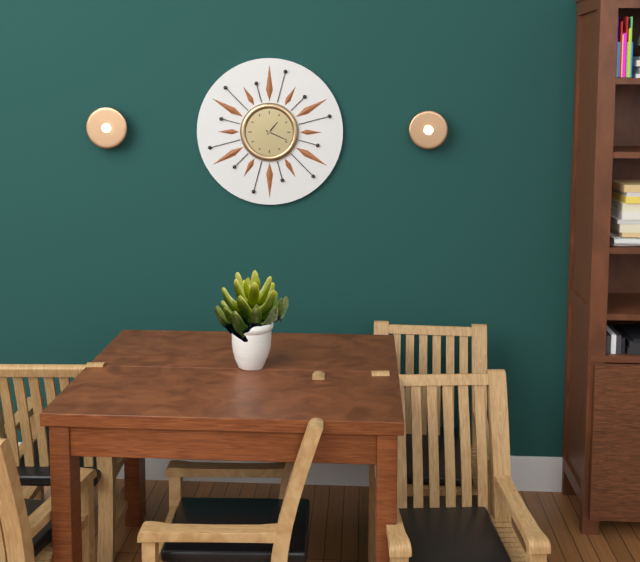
1:19
